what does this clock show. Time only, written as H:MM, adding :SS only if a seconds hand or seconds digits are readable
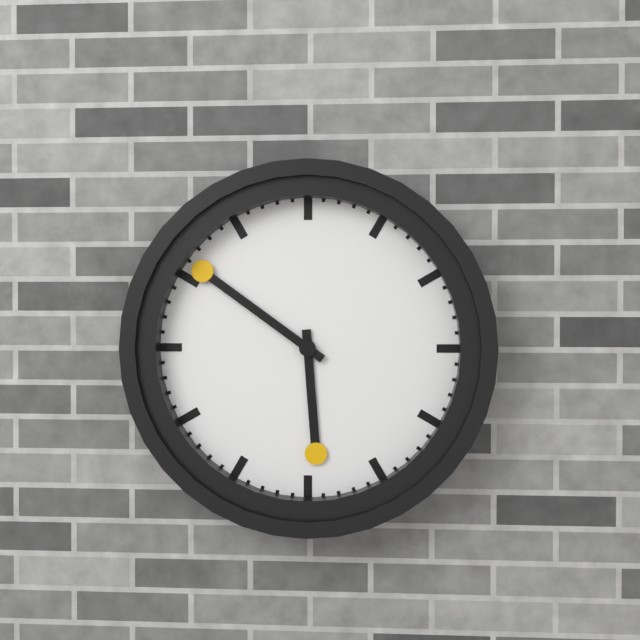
5:51
